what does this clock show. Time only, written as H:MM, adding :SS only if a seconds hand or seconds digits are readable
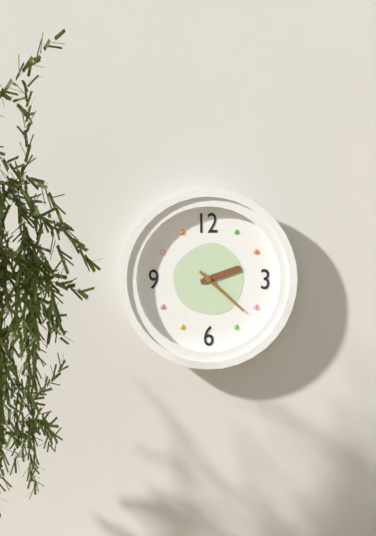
2:22
